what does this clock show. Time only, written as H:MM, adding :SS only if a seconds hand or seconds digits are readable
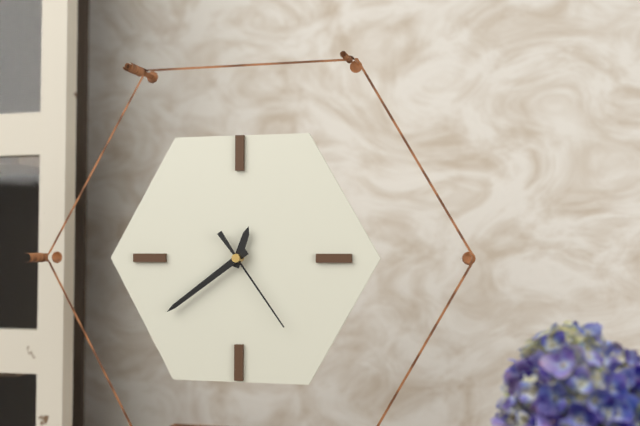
12:39:24
